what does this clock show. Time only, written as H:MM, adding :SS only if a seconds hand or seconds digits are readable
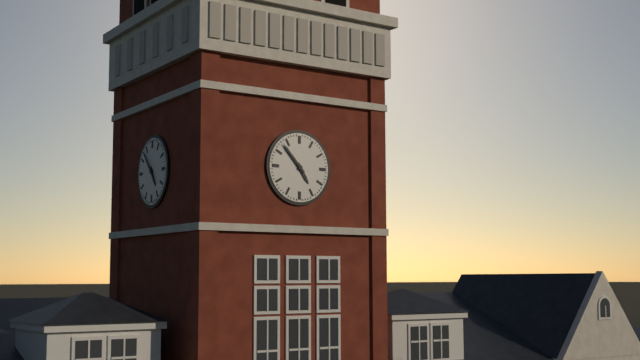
4:53
